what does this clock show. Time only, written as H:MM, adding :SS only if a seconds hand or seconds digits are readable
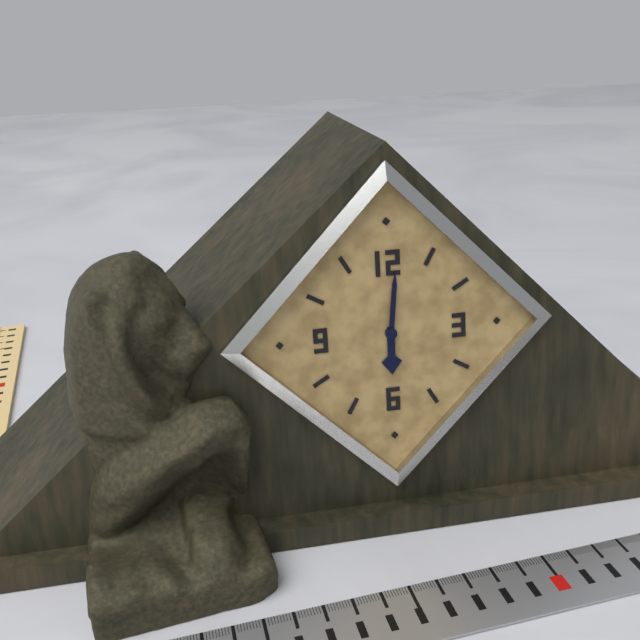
6:01
